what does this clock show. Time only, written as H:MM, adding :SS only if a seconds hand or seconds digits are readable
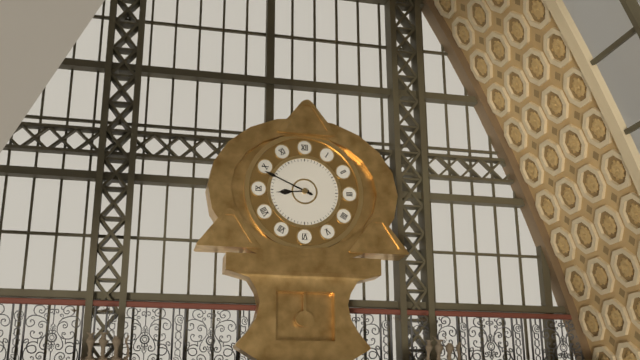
8:49
